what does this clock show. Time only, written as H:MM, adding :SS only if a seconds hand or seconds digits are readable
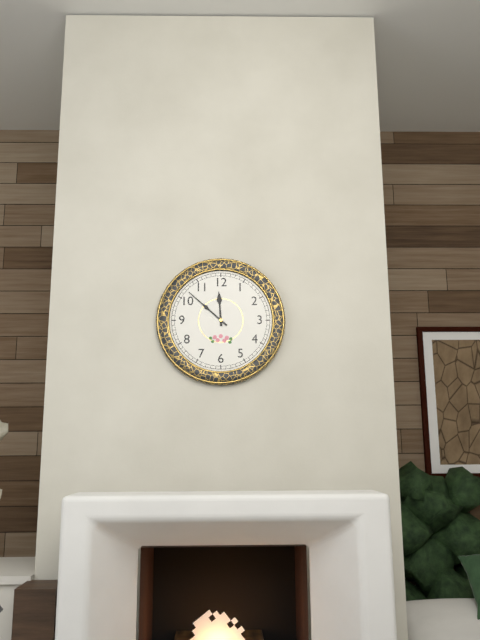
11:52
